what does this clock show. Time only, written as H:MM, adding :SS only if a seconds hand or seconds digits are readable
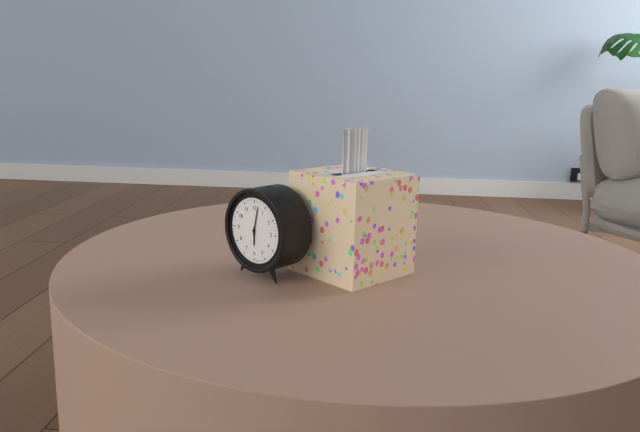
6:02
